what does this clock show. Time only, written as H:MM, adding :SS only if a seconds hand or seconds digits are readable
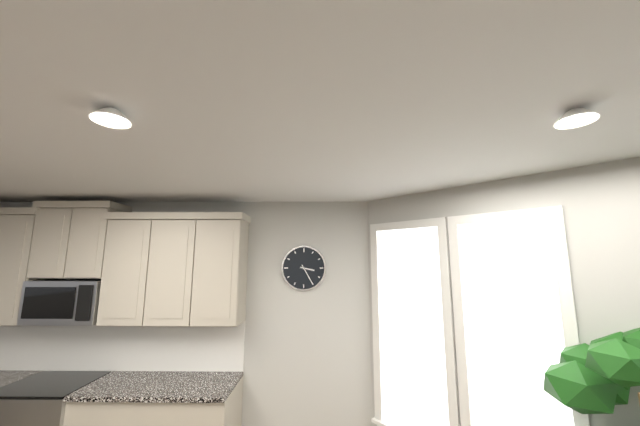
3:25
